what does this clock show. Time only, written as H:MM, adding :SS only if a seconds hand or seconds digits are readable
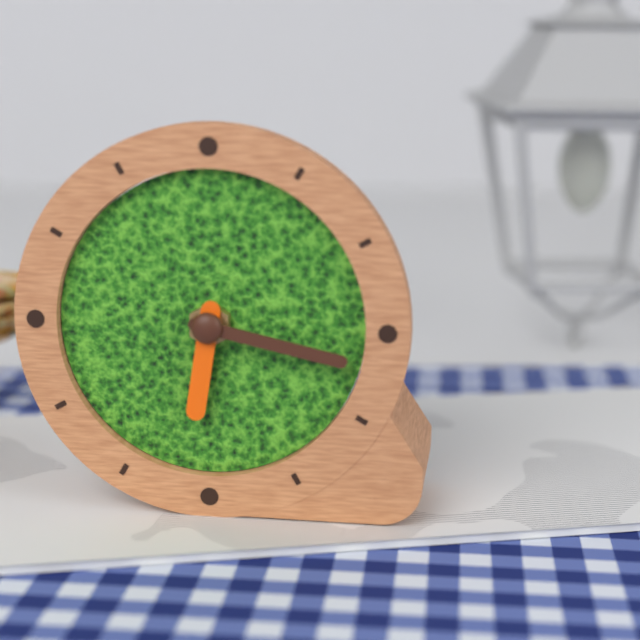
6:17
